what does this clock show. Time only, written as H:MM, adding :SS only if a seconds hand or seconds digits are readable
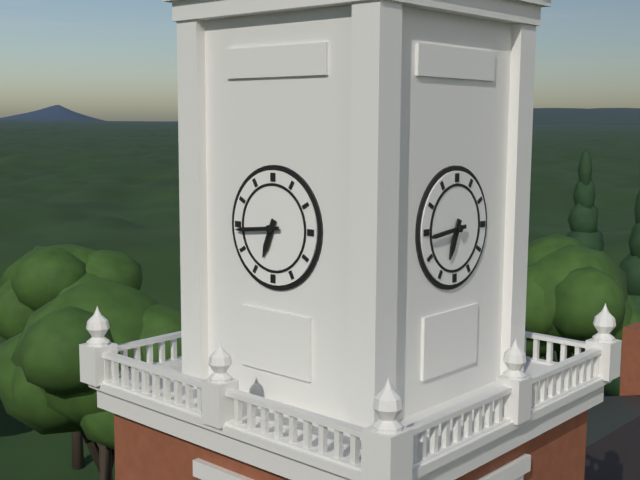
6:44
